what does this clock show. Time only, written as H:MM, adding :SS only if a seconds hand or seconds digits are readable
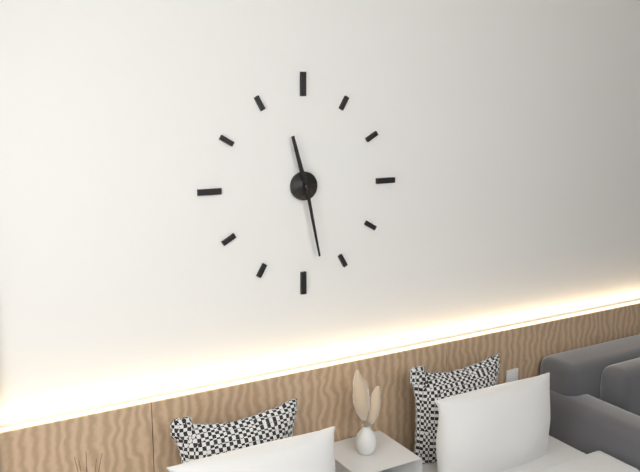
11:28
